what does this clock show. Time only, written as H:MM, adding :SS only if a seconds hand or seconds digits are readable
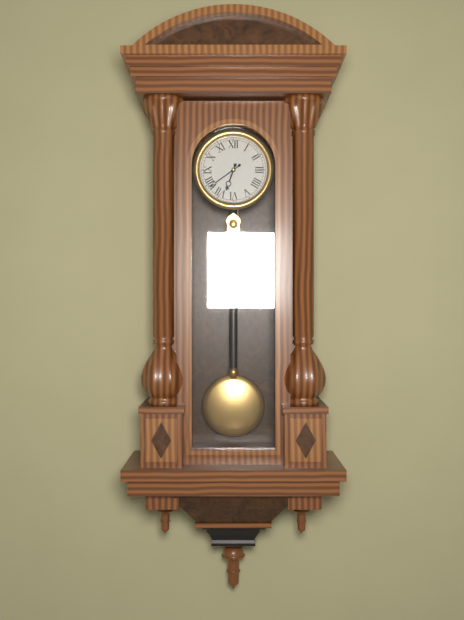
6:39
